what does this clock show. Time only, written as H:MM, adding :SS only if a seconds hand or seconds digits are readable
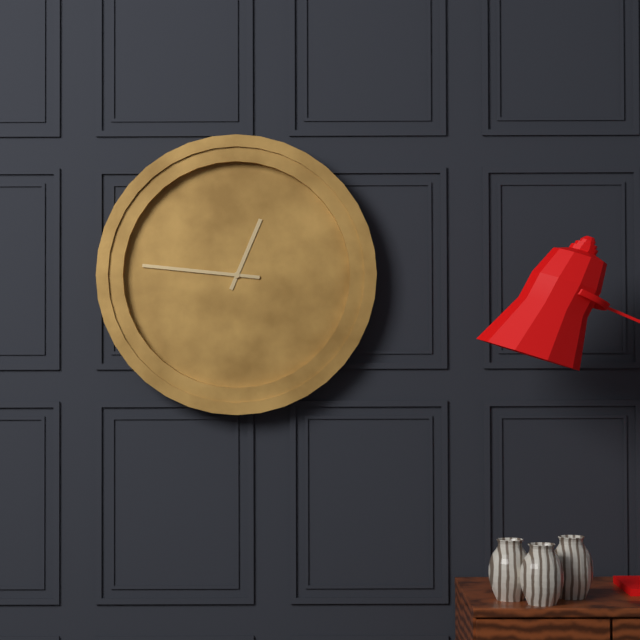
12:46
